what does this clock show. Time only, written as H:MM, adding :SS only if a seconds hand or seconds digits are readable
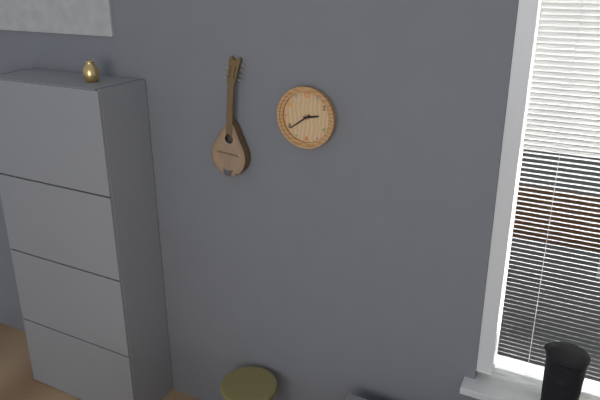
2:39
